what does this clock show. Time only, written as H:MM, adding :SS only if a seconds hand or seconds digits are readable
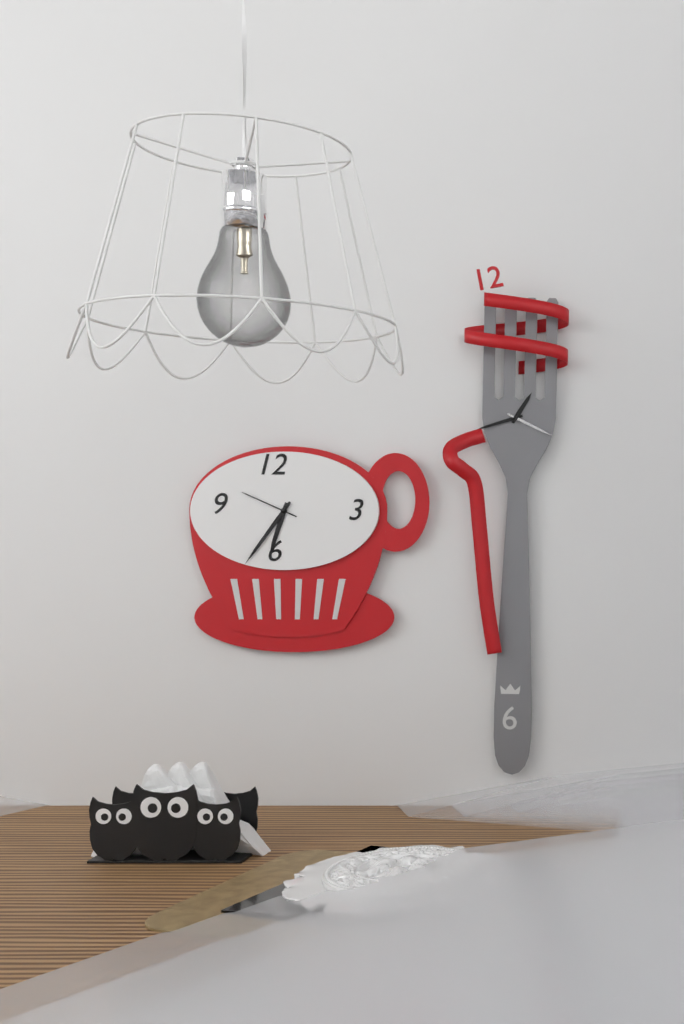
6:36:49
